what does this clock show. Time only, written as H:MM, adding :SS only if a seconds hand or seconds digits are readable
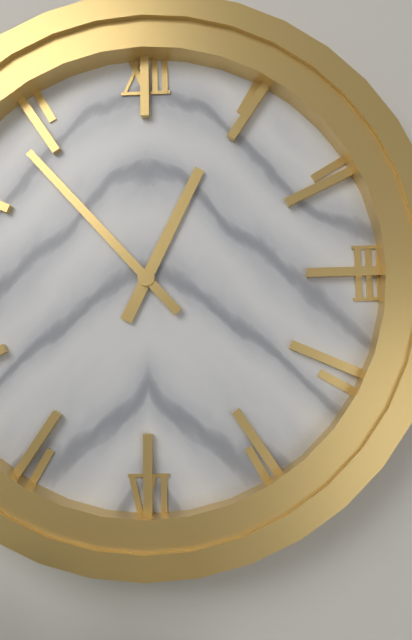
12:53
